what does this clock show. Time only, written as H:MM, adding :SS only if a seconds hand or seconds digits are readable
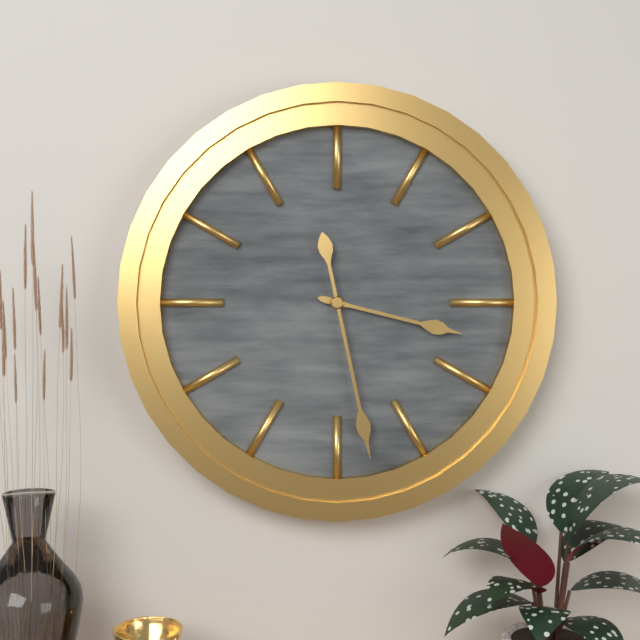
3:28
